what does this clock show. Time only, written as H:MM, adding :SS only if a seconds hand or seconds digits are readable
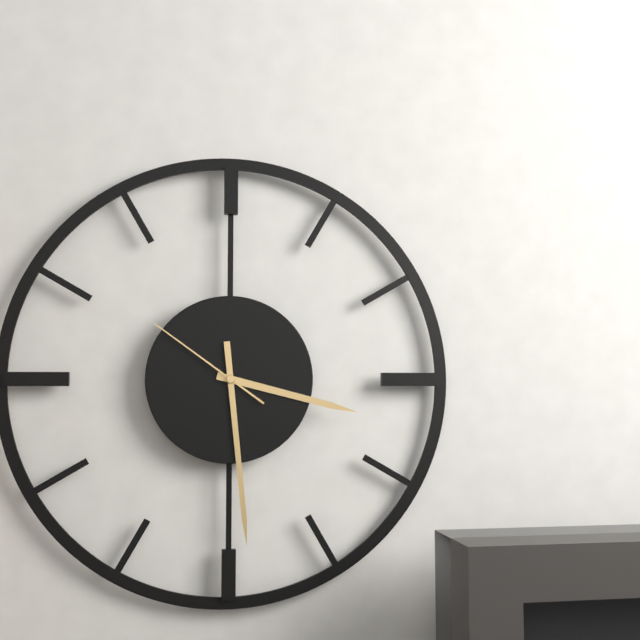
3:29:51
